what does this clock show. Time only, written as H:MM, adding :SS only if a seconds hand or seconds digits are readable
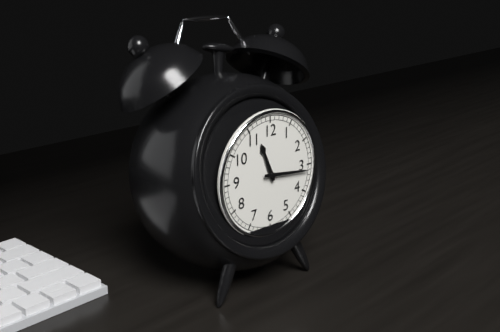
11:16
